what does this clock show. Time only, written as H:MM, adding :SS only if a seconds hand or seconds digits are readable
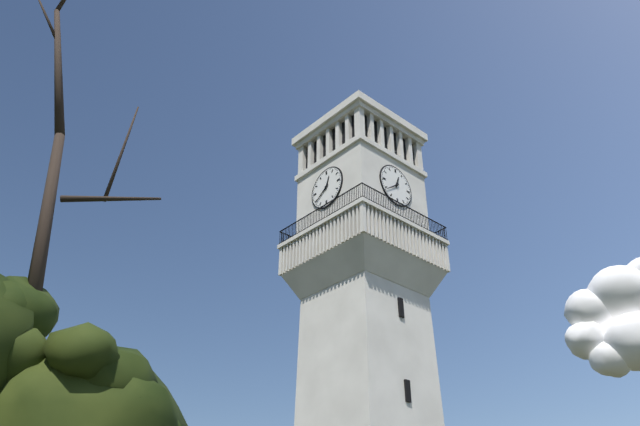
12:39
